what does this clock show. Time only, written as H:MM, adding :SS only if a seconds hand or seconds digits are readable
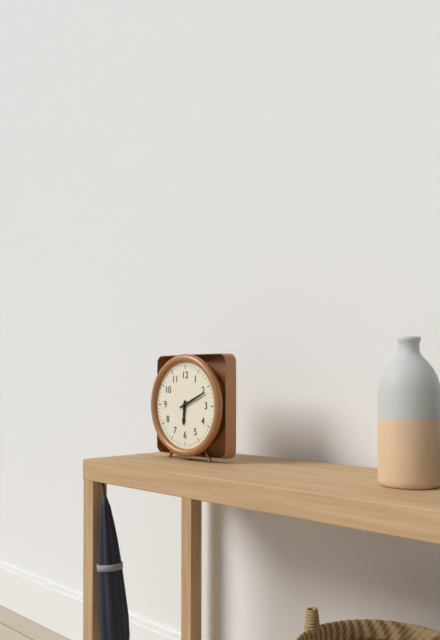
6:11
